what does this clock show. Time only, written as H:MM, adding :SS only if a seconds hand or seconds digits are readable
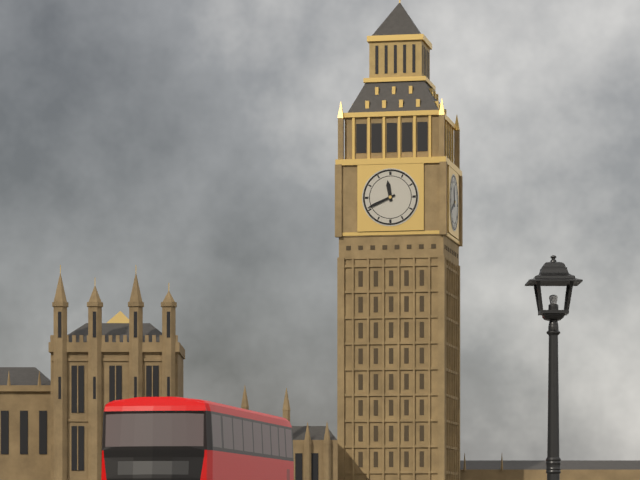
11:41
